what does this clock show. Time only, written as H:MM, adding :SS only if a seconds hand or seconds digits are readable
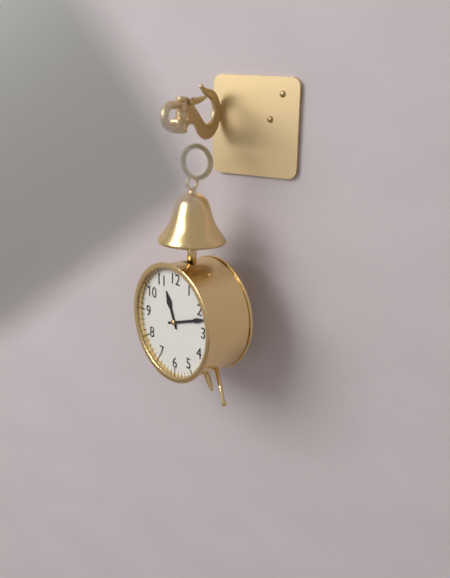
11:12
